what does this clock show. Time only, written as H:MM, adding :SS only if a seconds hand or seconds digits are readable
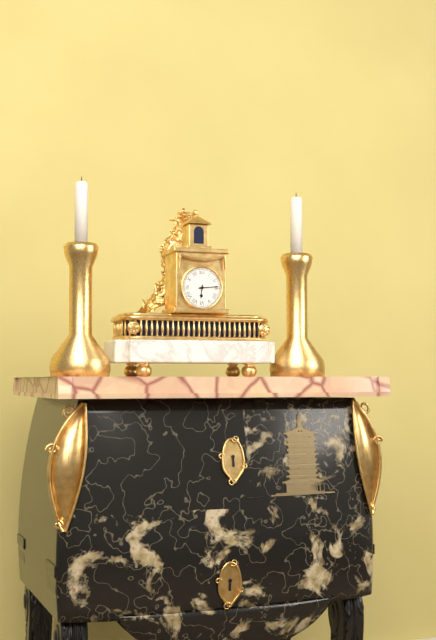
6:14
